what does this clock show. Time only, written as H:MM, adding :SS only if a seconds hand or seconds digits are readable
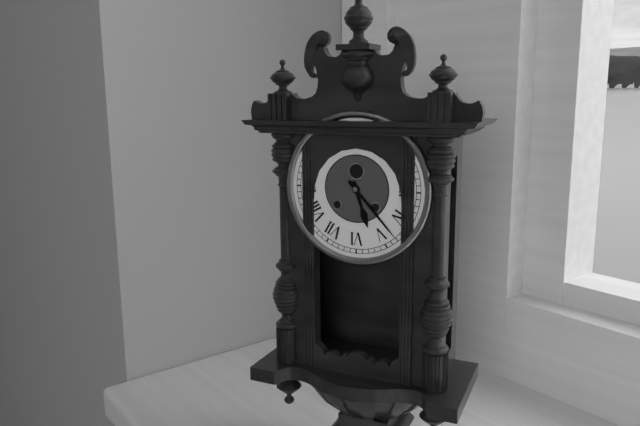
5:23
